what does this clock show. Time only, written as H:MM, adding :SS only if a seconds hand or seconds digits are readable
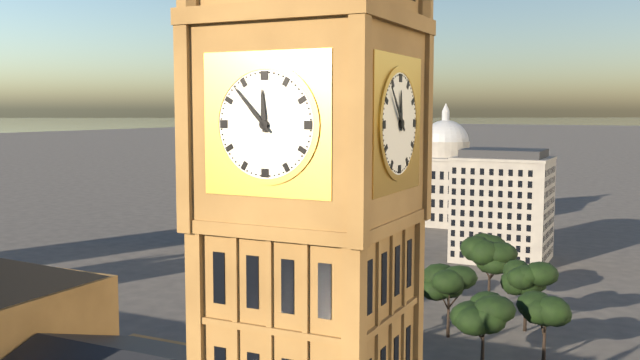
11:53
